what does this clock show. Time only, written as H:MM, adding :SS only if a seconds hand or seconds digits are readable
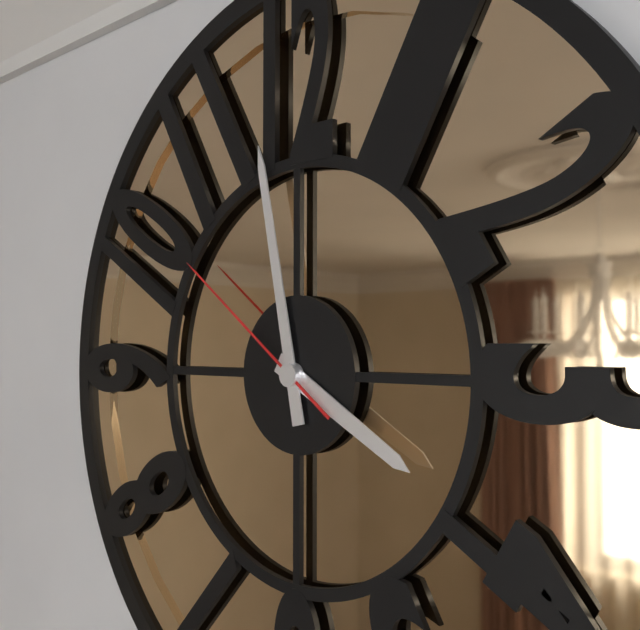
3:58:51
